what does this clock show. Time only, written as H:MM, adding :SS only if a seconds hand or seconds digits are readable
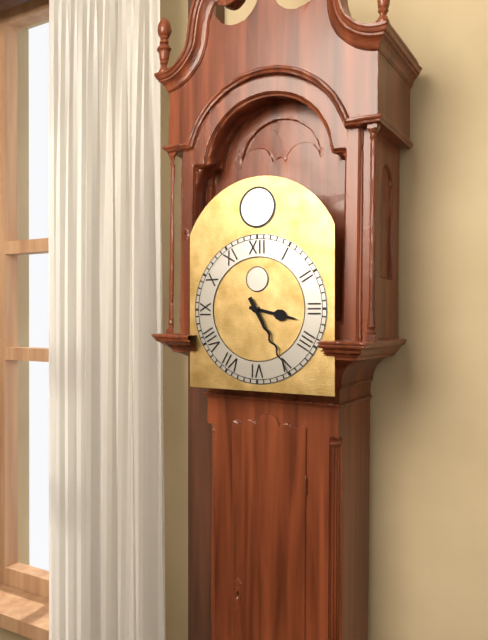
3:25
